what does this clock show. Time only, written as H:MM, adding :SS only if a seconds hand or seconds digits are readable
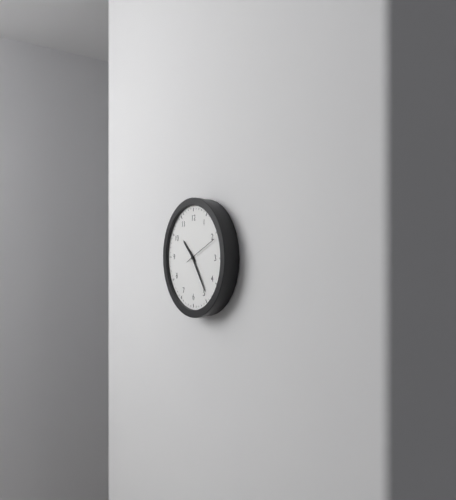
10:24
